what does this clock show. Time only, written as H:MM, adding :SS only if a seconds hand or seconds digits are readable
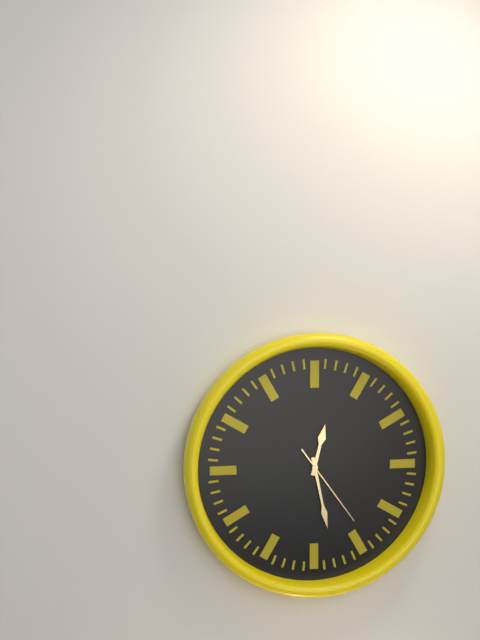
12:28:24
